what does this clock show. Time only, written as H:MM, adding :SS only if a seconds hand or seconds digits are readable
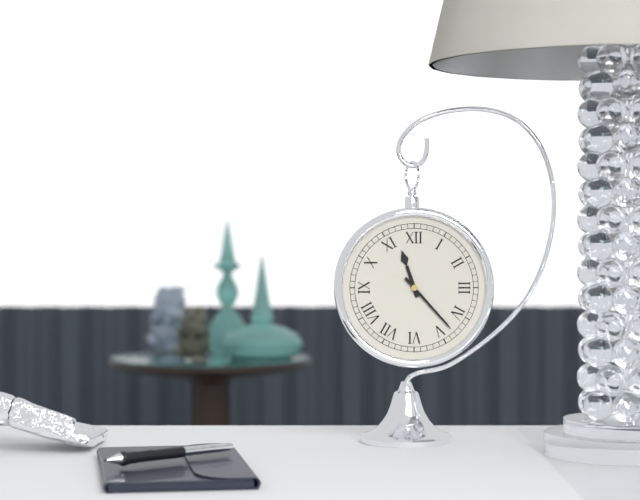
11:23
